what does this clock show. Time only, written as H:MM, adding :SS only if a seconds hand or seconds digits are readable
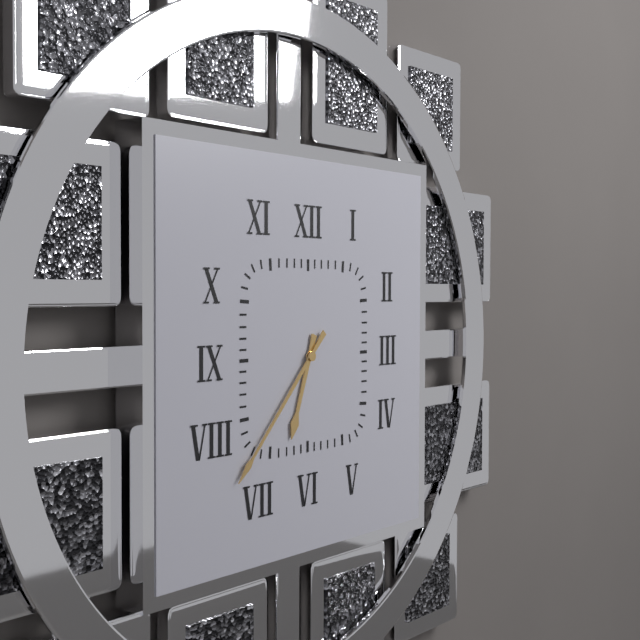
6:37
